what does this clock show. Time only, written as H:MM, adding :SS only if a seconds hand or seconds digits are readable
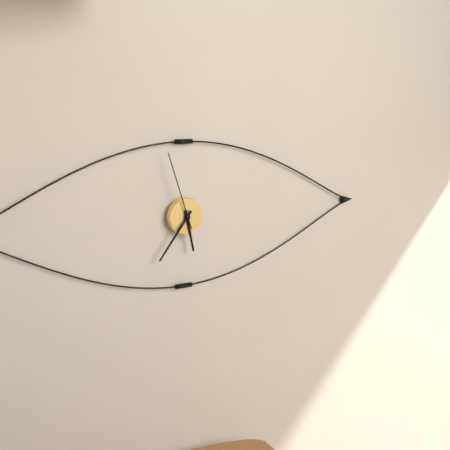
5:36:57
